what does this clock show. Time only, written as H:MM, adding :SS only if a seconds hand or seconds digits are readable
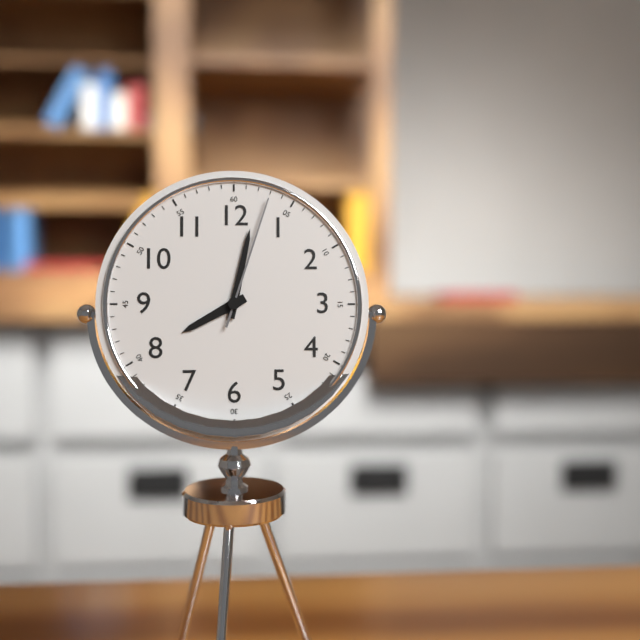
8:02:03
